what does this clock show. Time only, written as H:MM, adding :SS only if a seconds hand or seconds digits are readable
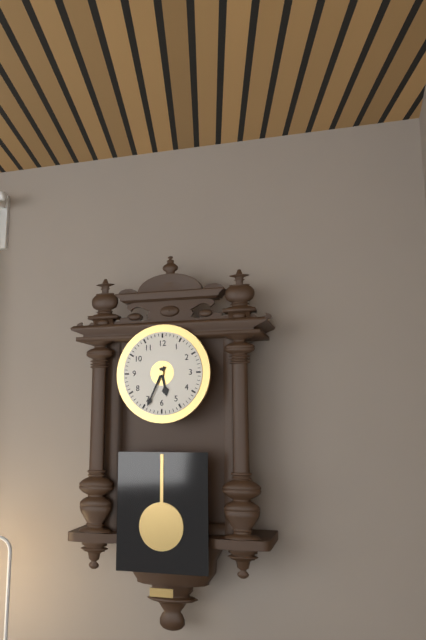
5:34
